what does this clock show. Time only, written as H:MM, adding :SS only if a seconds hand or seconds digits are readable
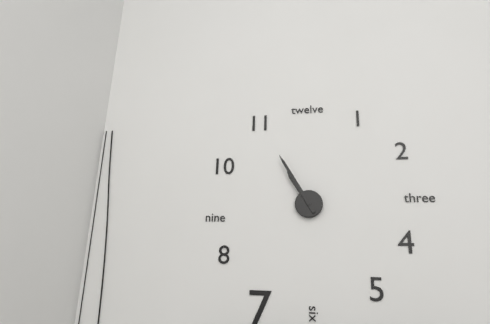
10:55
